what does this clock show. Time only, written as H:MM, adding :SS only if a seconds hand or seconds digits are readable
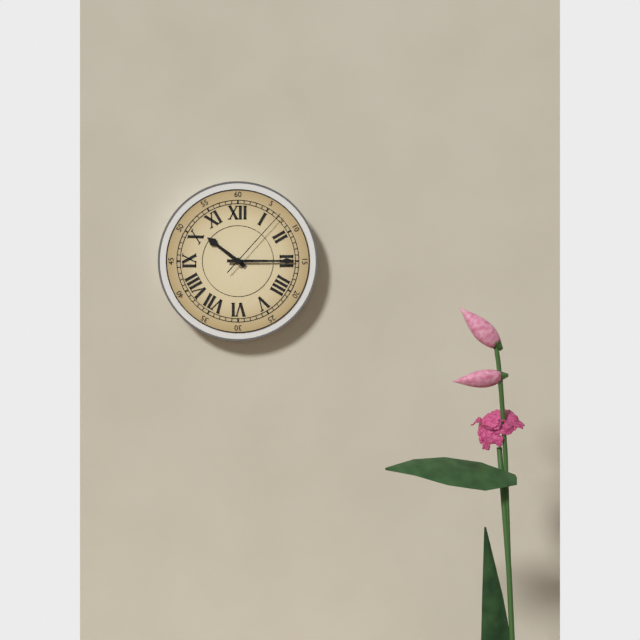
10:15:07
